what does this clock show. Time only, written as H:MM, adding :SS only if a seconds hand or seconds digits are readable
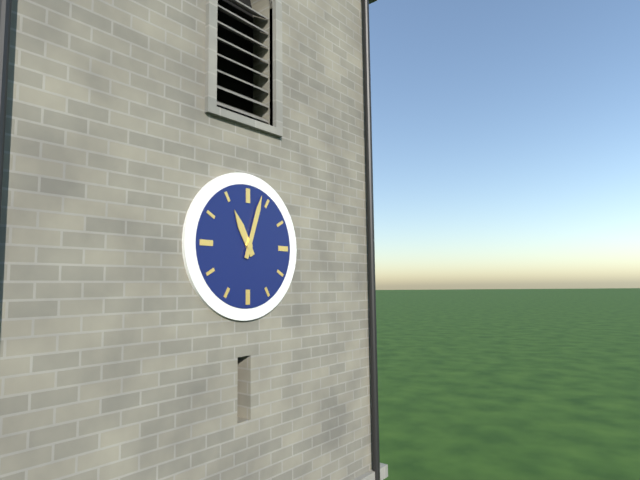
11:03
